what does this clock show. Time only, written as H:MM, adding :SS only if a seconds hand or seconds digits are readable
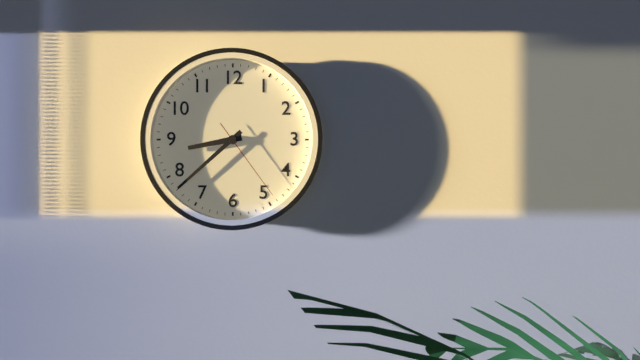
8:38:24
